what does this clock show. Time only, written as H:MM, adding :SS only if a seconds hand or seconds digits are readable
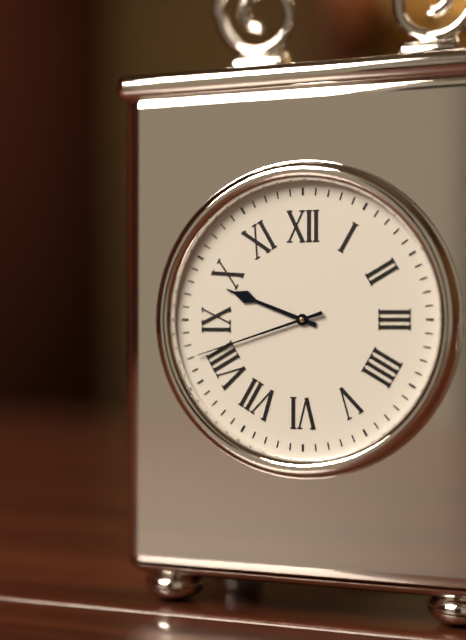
9:42
